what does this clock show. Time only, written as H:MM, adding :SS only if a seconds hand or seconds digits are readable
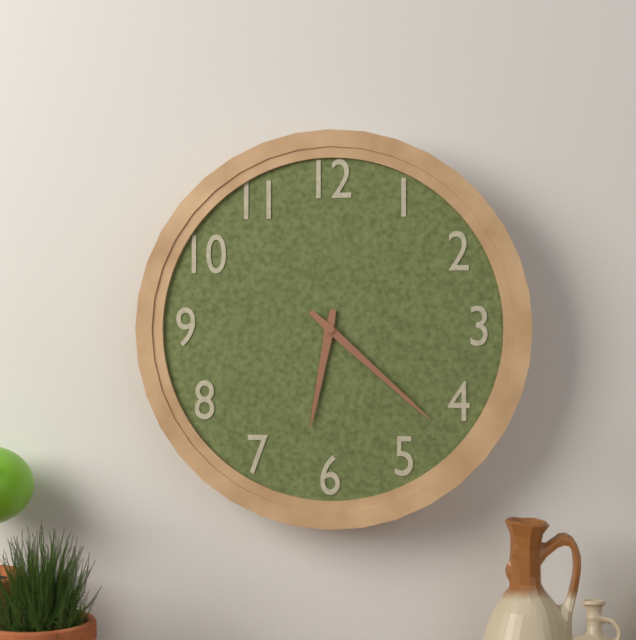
6:22
